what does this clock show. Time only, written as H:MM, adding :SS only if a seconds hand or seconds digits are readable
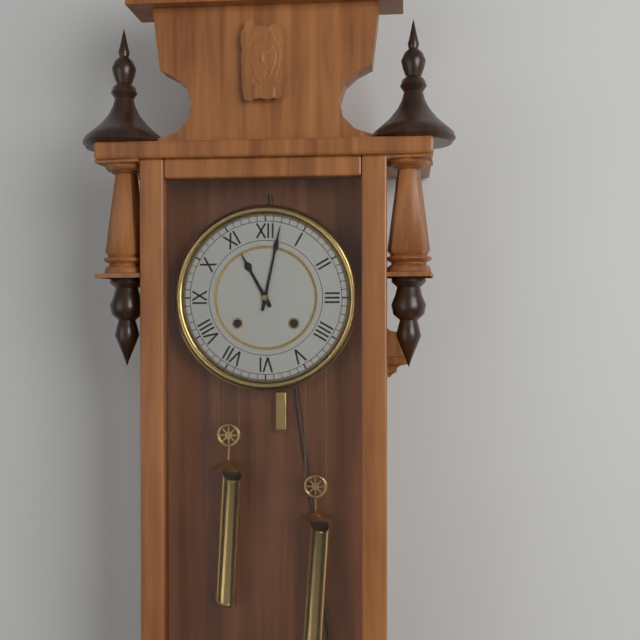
11:02
